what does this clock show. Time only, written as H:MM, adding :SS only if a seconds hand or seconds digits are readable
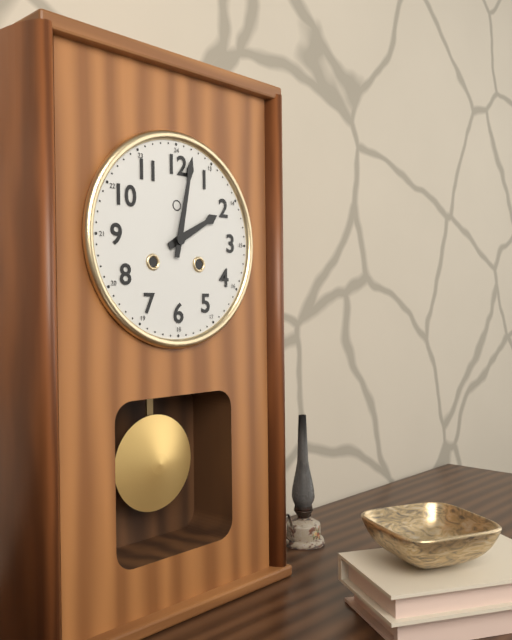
2:02
